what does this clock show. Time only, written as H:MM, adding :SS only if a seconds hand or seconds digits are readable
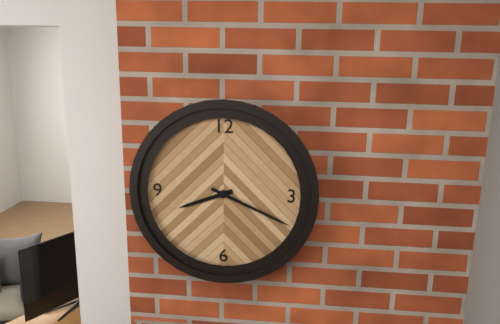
8:19
